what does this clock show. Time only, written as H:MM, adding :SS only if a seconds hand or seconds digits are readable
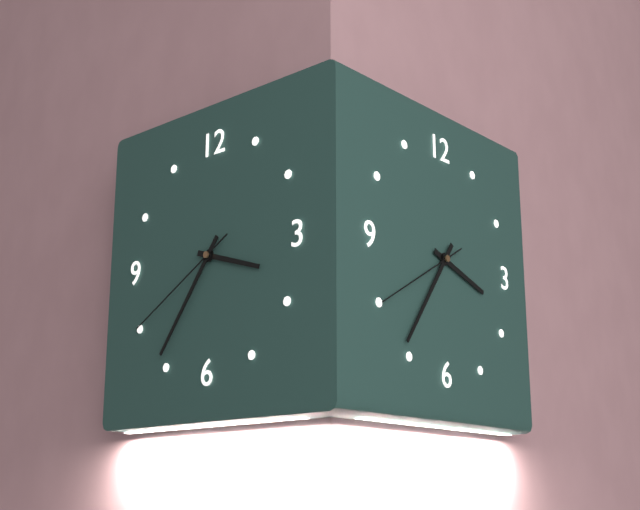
3:36:40
